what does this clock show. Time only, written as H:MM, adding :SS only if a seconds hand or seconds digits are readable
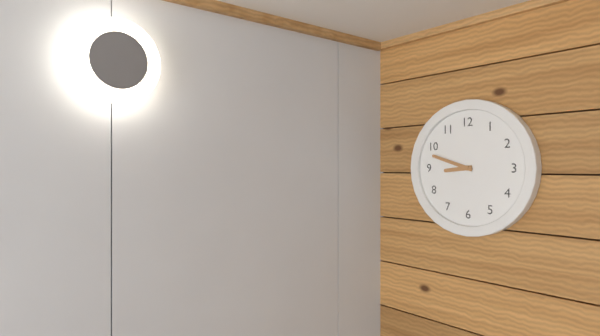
8:48
